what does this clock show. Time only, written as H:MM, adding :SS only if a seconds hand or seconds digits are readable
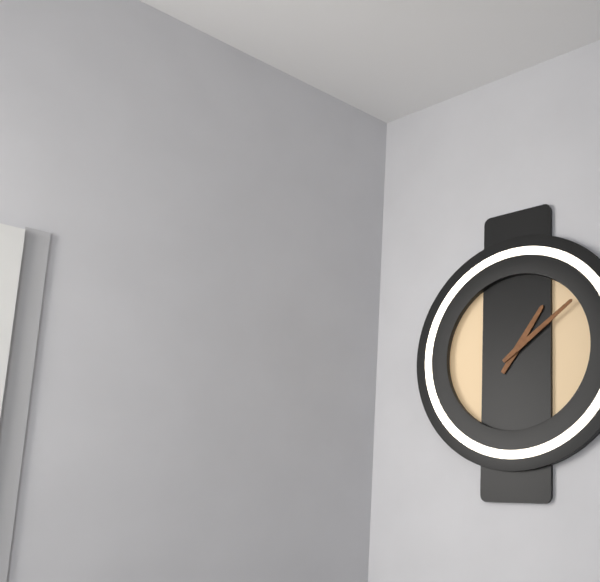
1:09
